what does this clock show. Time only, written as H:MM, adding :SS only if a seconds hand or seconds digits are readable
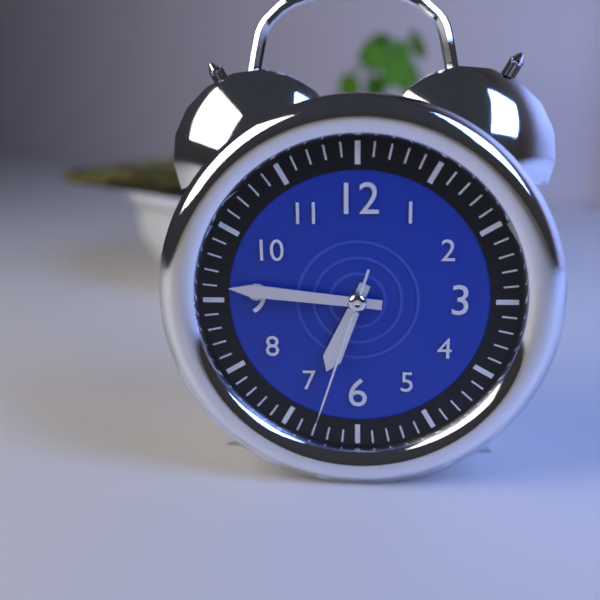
6:46:33
